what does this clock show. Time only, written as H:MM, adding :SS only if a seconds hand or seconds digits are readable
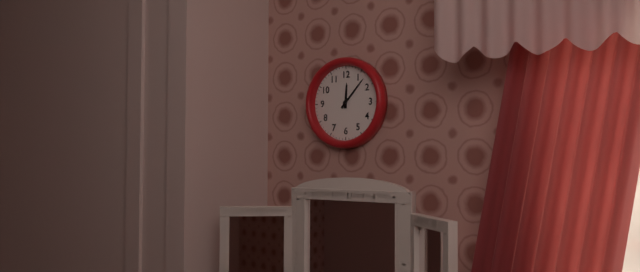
12:07
